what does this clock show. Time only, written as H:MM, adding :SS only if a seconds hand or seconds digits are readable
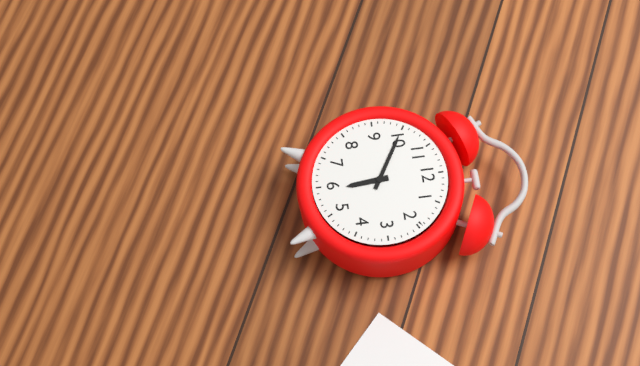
5:50
